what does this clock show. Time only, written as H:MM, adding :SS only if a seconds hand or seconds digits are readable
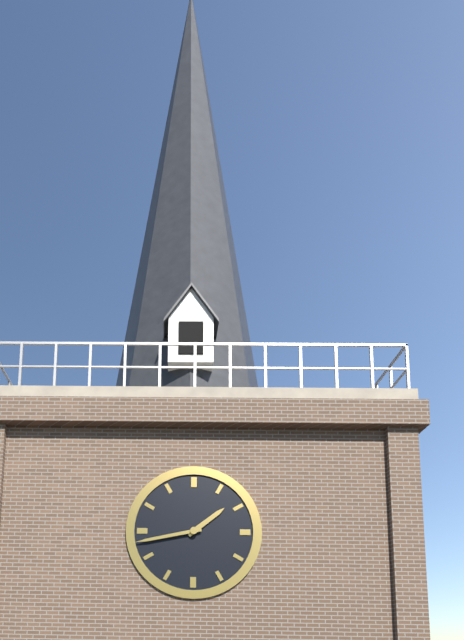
1:43
